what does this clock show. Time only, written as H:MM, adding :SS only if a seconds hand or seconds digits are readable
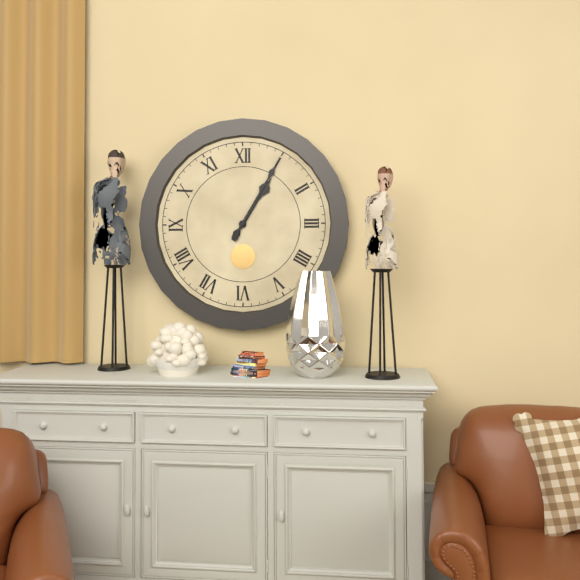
1:05
